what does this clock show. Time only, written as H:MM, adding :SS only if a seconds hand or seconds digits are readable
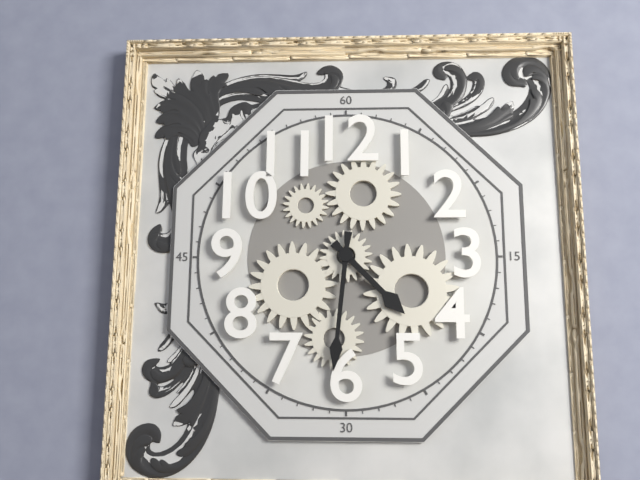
4:31
